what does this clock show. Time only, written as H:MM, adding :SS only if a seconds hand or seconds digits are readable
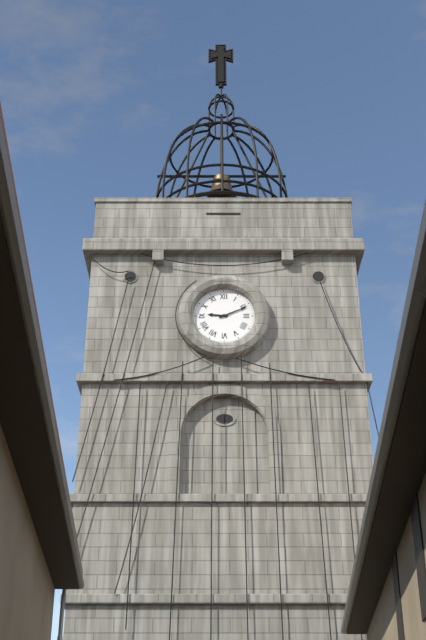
9:11
